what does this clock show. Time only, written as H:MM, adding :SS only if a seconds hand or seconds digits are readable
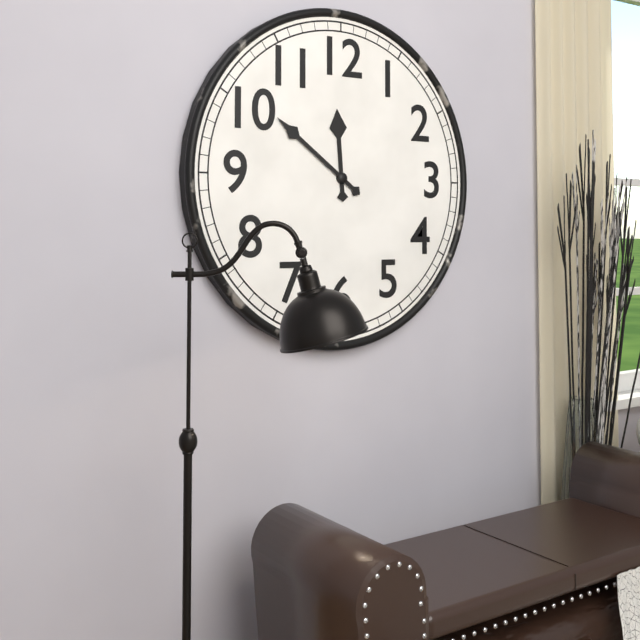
11:51
